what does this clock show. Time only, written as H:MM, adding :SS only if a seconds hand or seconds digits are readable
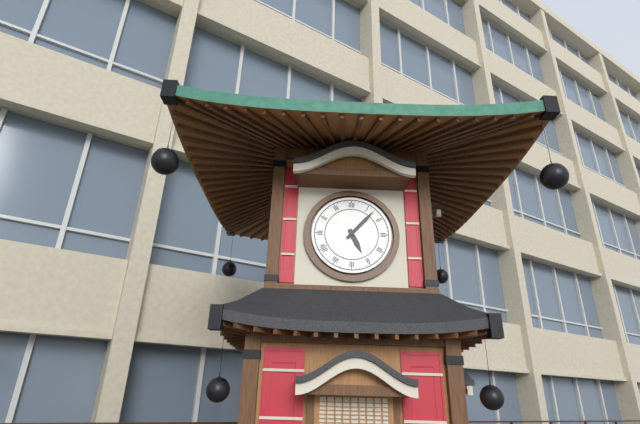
5:07
